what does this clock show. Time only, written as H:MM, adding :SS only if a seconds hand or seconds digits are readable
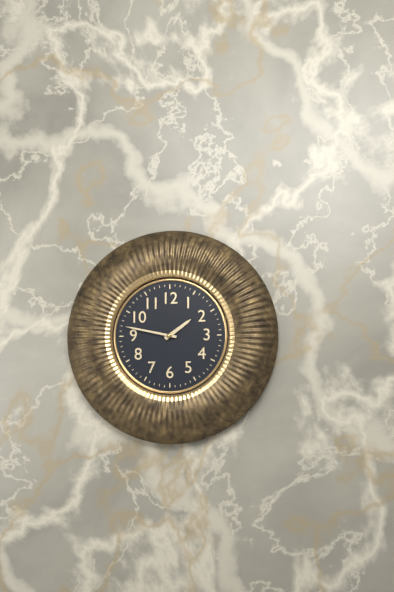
1:47
